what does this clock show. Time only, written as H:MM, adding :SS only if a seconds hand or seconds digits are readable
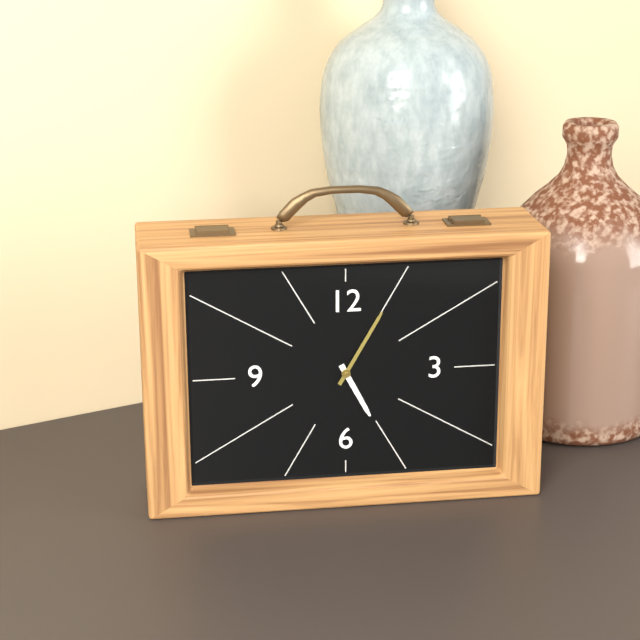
5:05
